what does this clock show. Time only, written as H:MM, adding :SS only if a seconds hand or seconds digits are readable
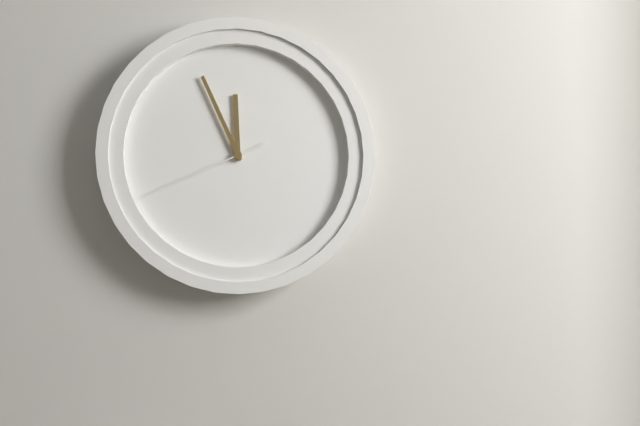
11:56:41
